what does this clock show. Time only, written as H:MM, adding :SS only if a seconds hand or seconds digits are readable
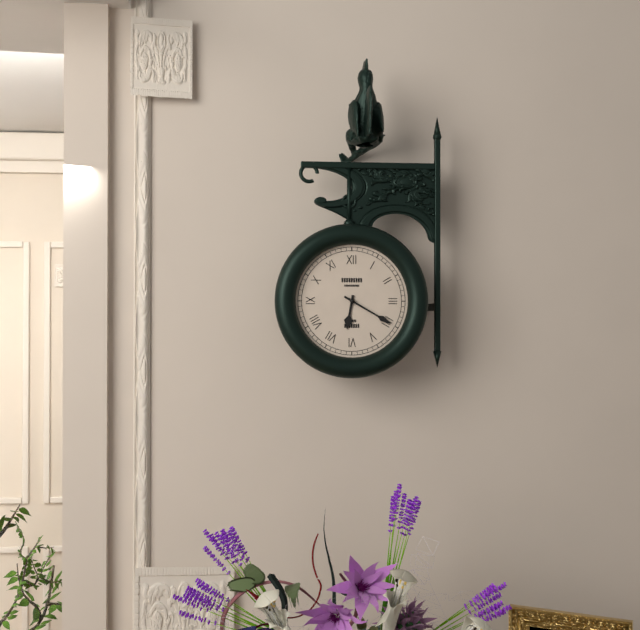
6:20
